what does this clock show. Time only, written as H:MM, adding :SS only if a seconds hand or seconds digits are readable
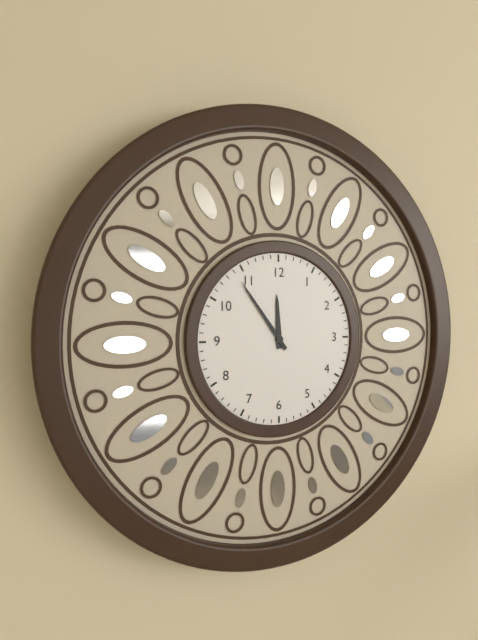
11:54
